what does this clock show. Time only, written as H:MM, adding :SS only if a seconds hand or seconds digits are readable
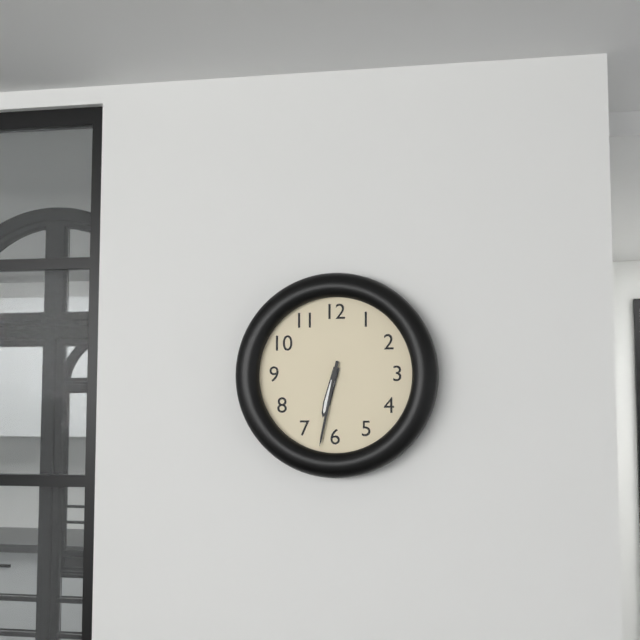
6:32
